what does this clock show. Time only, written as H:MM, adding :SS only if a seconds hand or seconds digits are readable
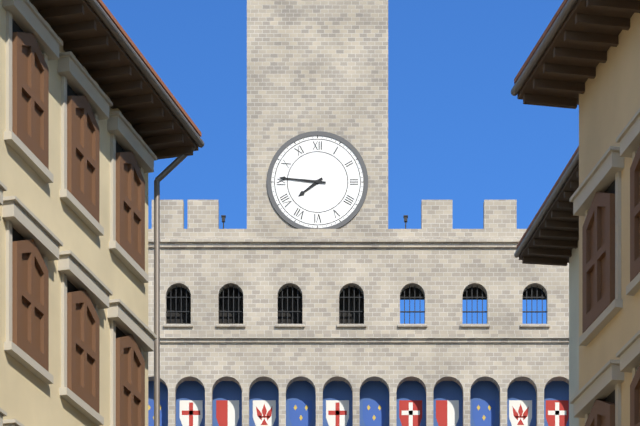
7:46
